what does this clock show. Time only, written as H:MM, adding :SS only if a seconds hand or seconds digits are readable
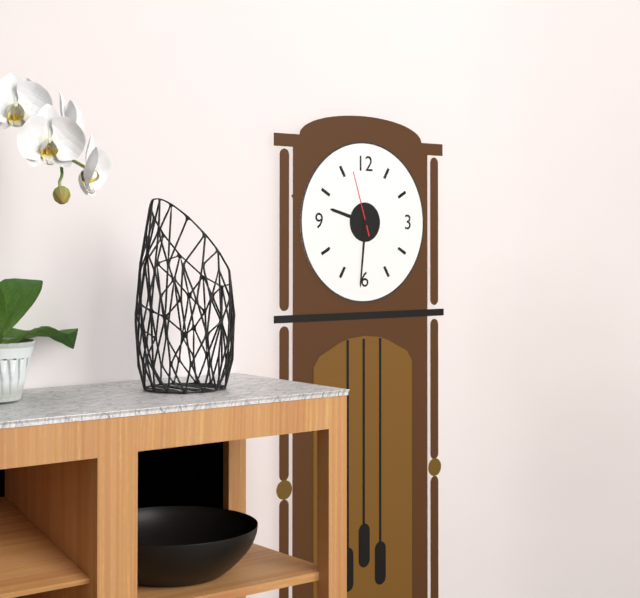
9:31:57
